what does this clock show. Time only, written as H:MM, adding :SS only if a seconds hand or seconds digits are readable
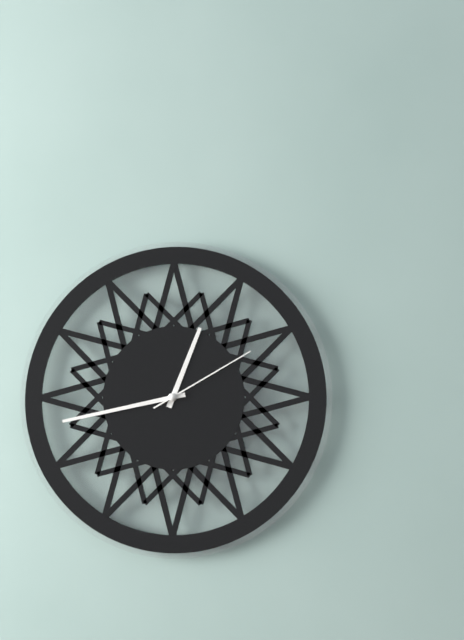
12:43:10
